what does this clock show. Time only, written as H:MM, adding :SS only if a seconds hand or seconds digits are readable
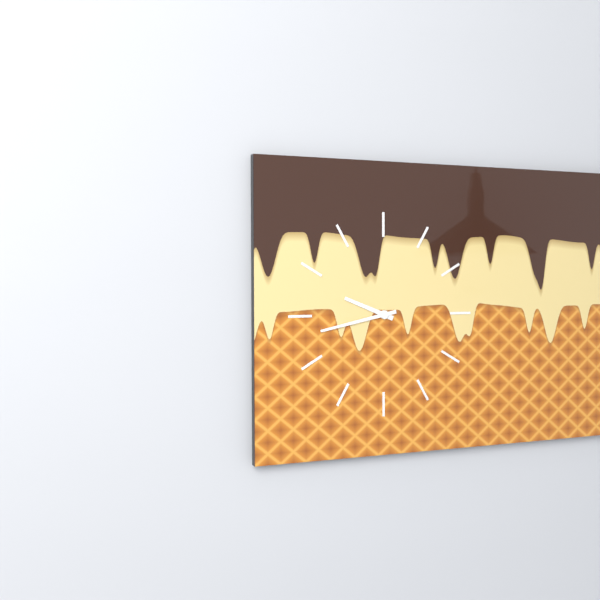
9:43
